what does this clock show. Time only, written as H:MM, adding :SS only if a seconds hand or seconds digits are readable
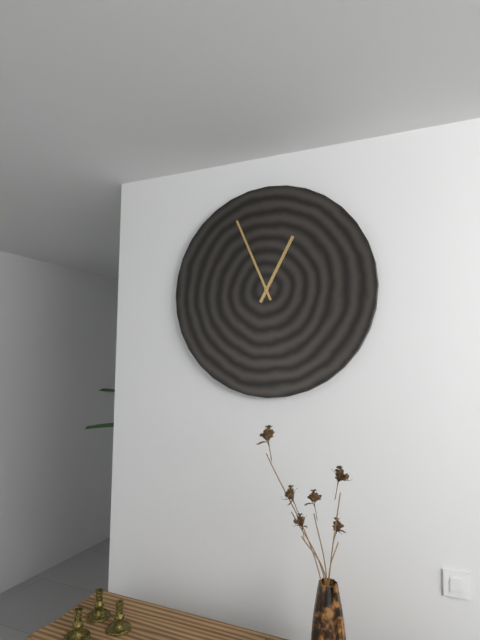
12:56
